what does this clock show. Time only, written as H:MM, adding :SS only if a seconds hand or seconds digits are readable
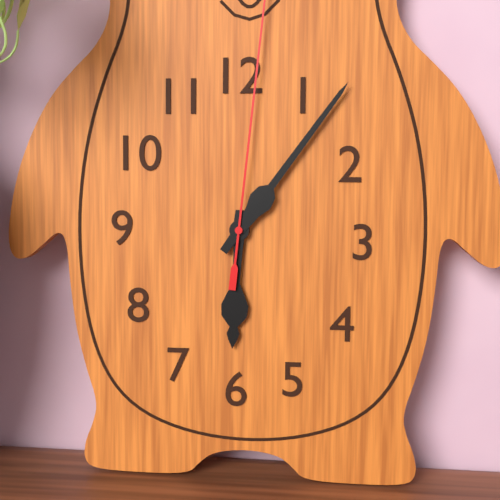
6:06
